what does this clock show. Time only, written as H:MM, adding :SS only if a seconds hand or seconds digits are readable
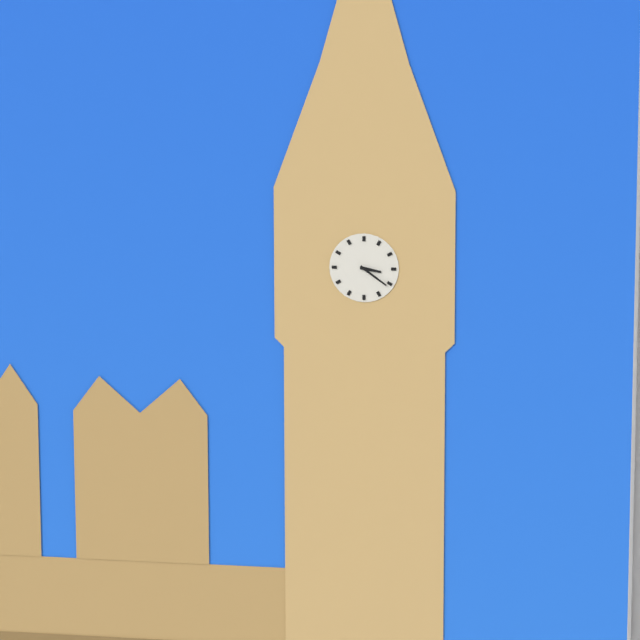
3:21
